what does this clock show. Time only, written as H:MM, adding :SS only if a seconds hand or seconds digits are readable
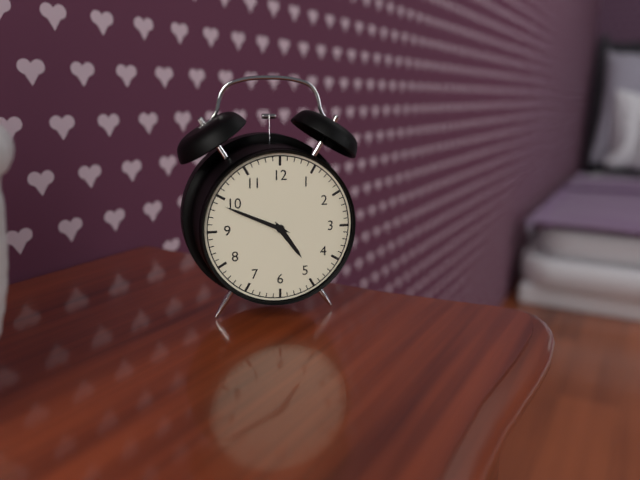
4:49
